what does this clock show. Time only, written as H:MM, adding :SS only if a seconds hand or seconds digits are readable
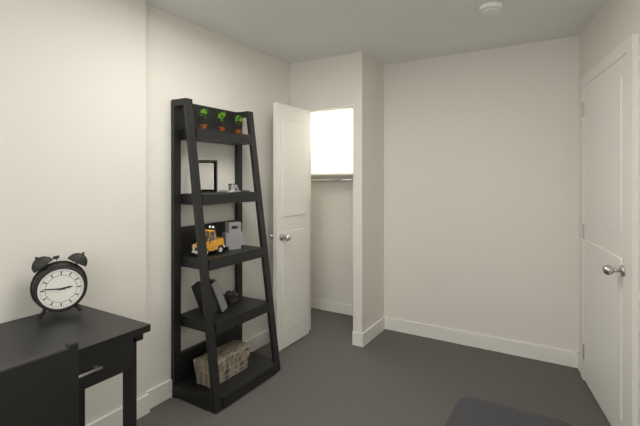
2:46
